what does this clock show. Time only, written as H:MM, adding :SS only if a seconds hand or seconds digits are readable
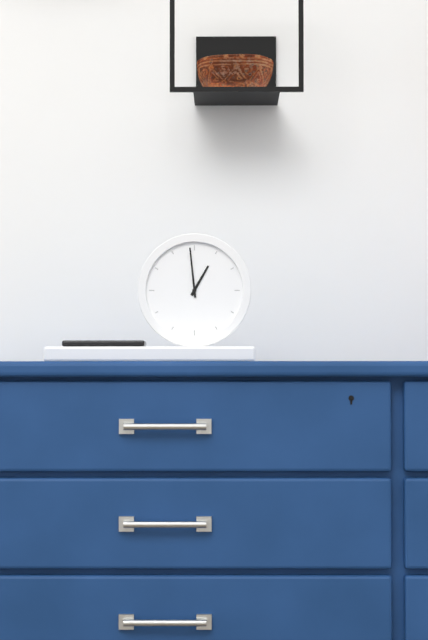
12:59
